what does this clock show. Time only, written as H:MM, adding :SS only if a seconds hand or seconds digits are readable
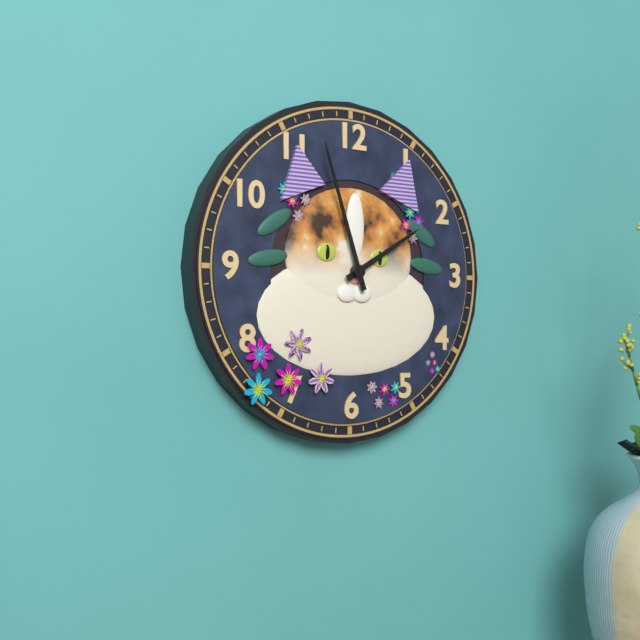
1:57
